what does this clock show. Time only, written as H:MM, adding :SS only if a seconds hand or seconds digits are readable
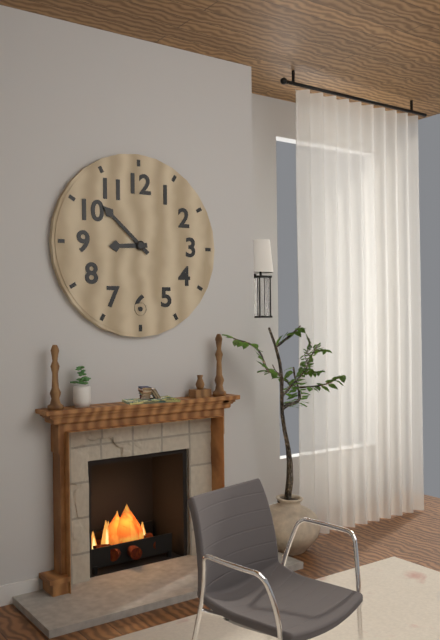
8:52
